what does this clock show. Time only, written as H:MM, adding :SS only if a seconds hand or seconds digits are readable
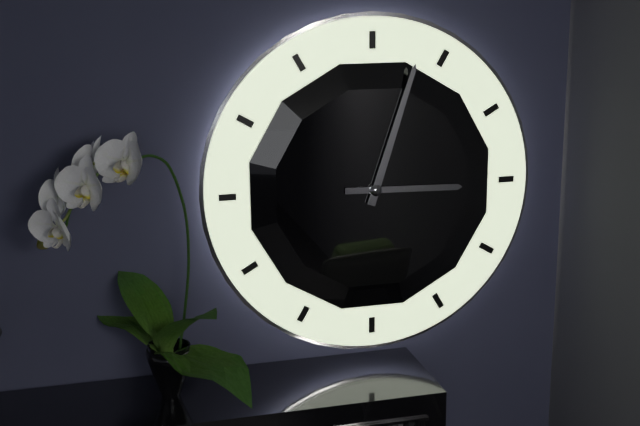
3:03
